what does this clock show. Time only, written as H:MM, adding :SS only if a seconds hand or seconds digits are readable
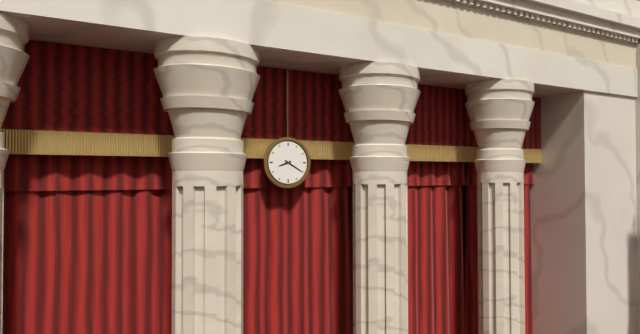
8:20
